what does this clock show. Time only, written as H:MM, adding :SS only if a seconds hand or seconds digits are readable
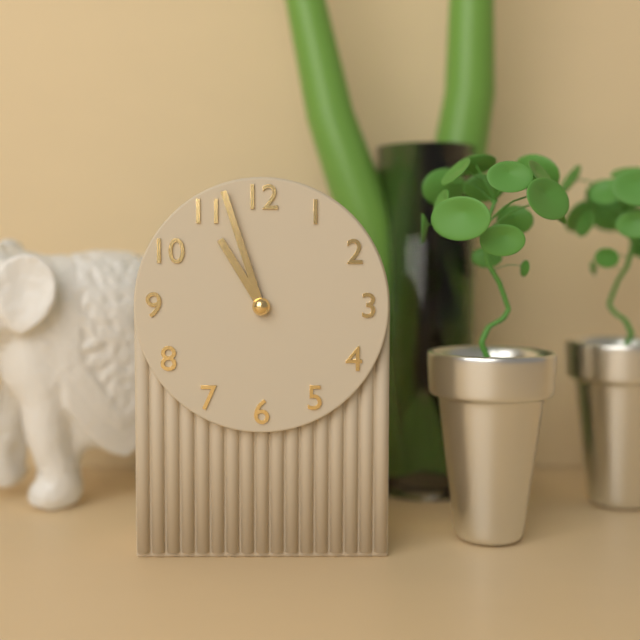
10:57
